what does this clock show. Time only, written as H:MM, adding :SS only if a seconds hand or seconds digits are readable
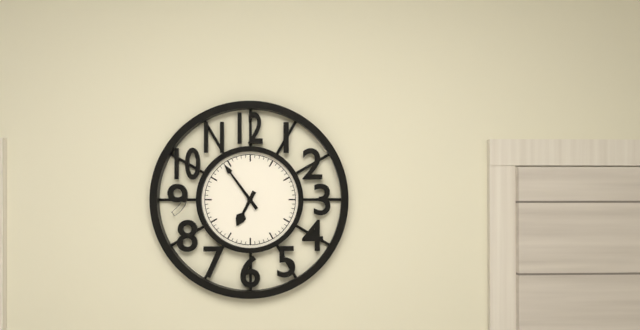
6:54
